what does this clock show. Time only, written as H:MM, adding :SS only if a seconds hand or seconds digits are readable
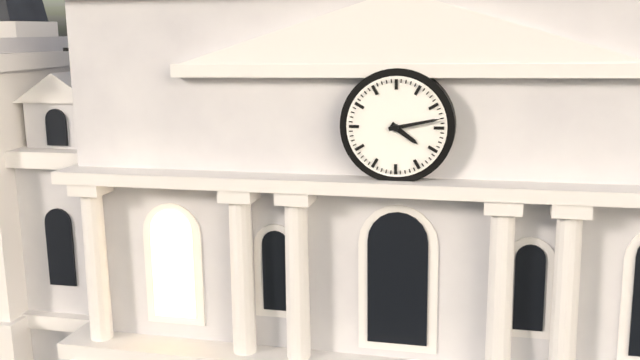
4:13
